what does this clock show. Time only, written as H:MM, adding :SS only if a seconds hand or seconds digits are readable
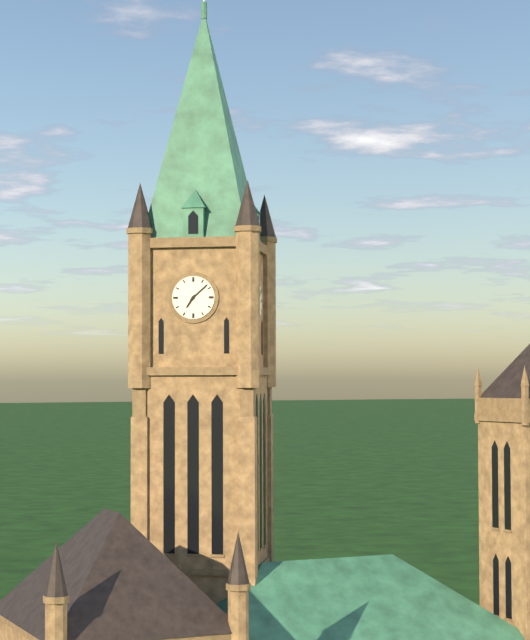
7:08
